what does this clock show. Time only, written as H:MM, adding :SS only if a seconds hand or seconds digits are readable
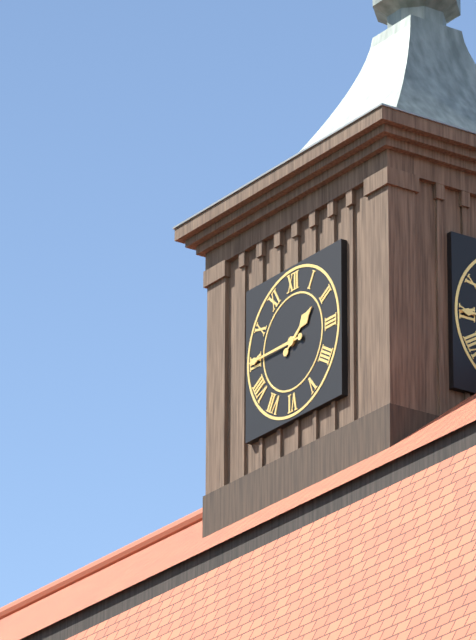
1:45
